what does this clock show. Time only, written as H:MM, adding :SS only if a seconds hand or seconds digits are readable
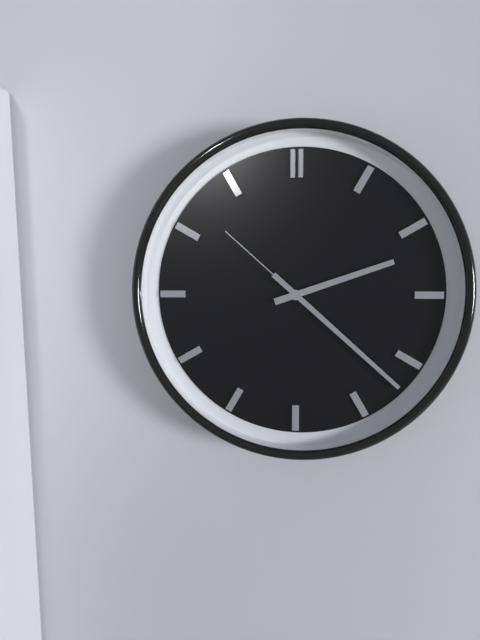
2:22:52
